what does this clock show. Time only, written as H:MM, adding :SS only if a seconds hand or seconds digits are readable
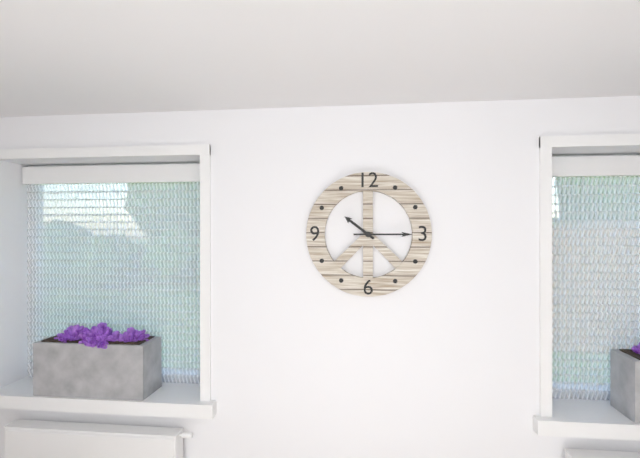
10:15
